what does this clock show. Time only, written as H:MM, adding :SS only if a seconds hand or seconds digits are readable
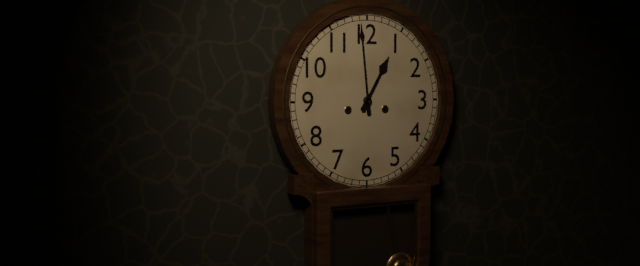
12:59
